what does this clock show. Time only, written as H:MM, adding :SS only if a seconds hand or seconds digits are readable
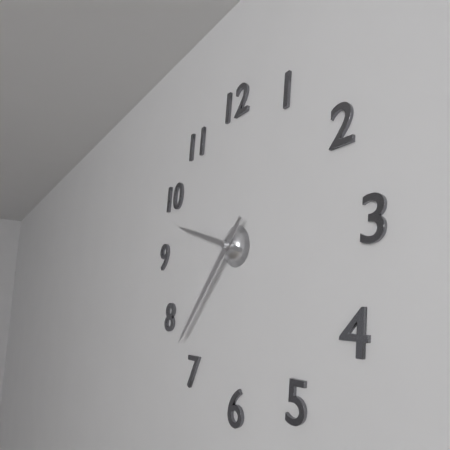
9:37
